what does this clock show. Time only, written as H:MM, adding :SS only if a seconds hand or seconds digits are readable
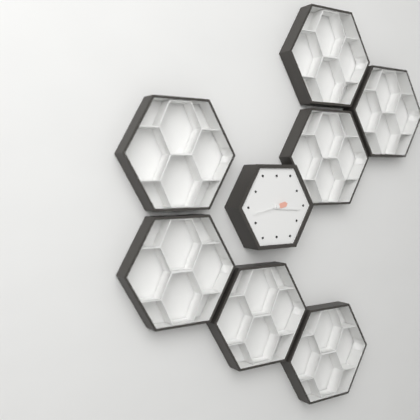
3:16
